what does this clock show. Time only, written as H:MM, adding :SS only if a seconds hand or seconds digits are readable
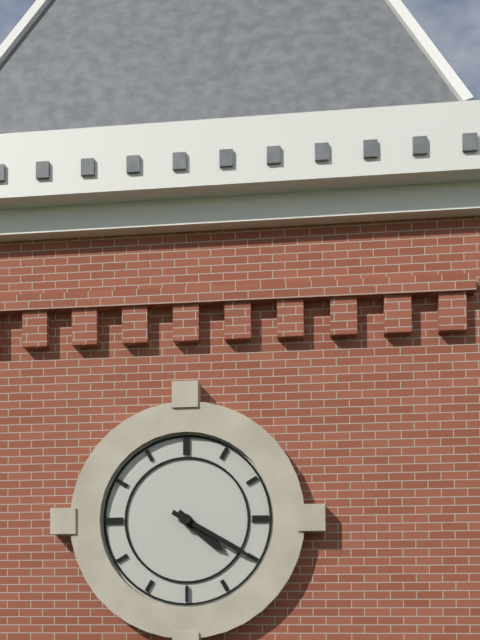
4:20
